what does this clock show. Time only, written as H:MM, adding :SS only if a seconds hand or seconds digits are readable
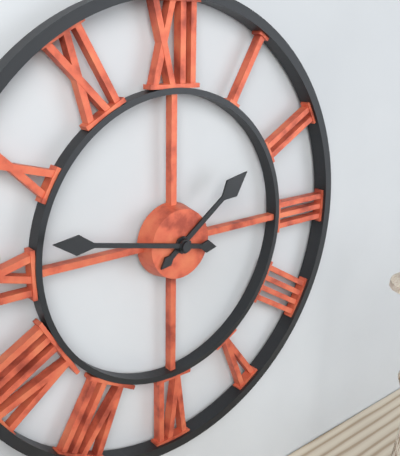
1:47
